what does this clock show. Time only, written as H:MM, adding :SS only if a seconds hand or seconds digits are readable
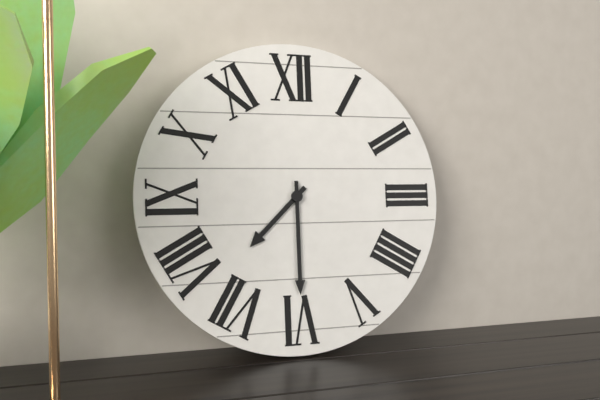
7:30
